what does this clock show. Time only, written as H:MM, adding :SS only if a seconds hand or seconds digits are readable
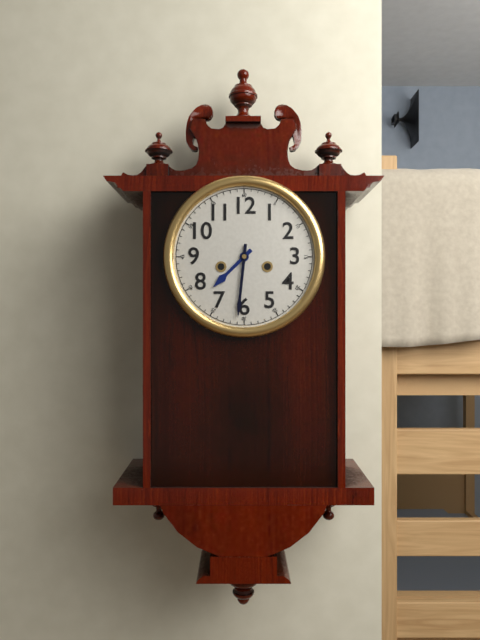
7:31
